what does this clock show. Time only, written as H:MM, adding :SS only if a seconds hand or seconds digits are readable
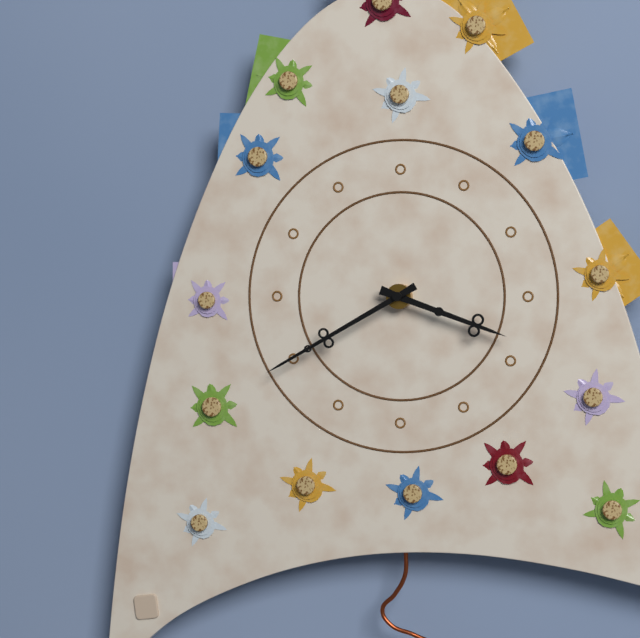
3:40
